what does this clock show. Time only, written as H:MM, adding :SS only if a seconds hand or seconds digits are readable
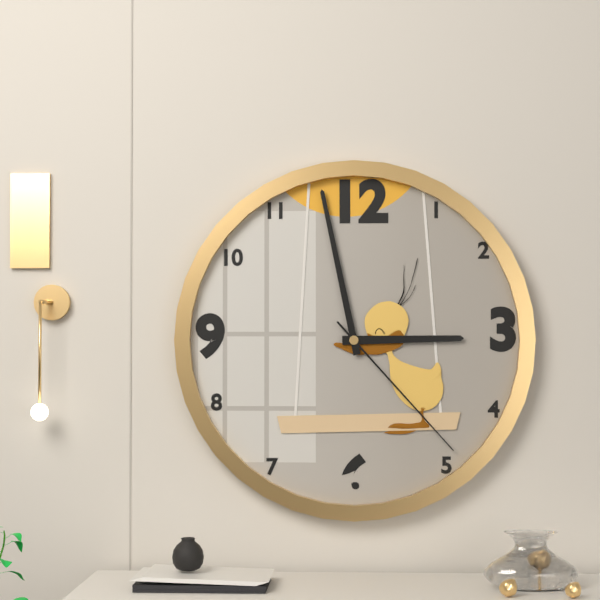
2:58:23
